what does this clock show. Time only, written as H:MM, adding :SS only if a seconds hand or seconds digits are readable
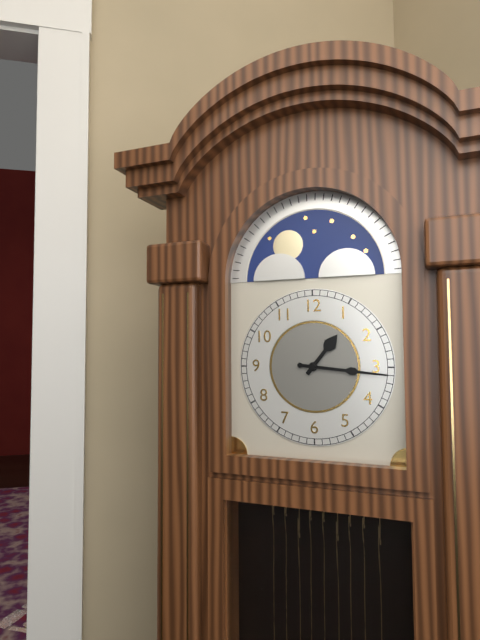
1:16
